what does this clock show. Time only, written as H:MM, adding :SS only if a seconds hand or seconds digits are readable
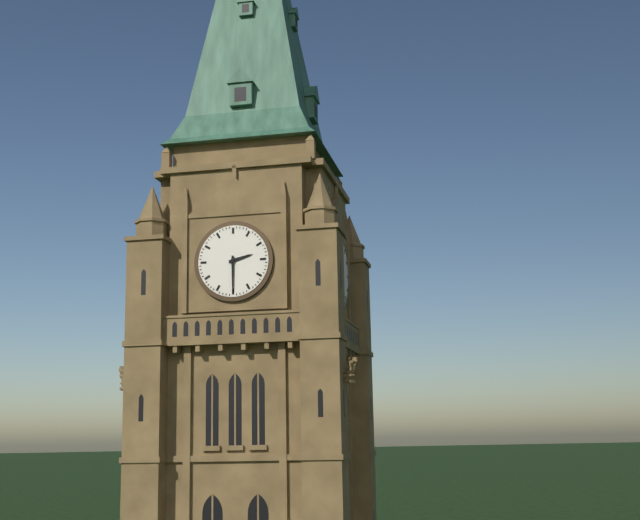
2:30
